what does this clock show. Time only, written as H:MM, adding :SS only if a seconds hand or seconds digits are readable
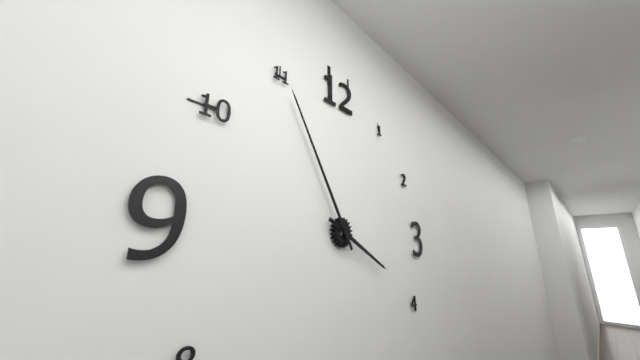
3:55
